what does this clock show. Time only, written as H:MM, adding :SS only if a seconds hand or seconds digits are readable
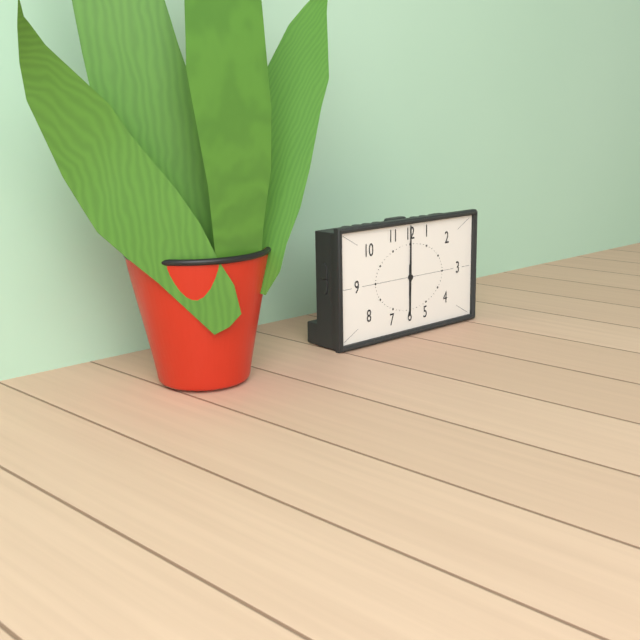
6:00
